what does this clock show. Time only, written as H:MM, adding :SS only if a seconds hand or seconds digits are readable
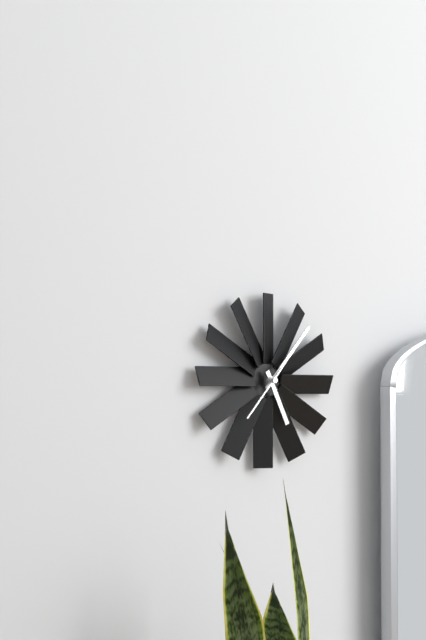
5:07:37
